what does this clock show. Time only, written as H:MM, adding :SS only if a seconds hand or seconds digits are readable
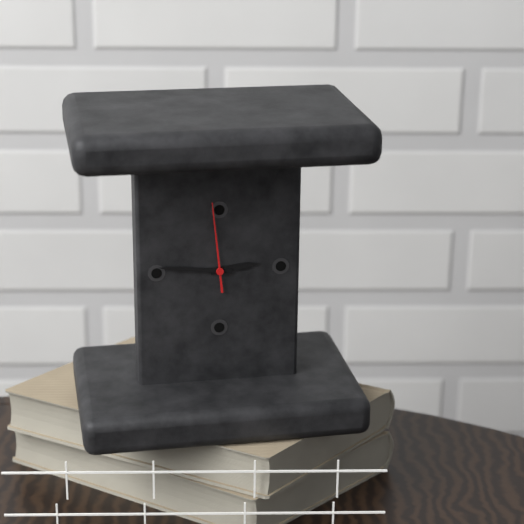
2:46:59
